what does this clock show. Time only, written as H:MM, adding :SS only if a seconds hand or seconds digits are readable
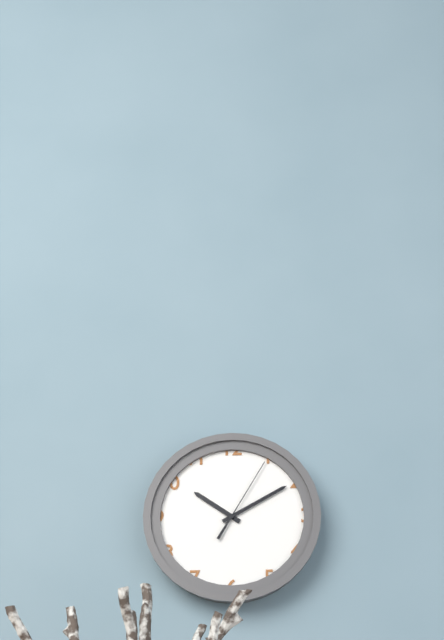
10:10:05
